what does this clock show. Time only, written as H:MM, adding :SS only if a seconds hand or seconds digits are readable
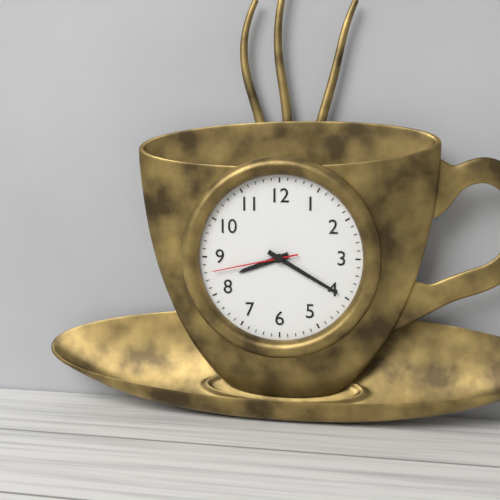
8:20:43
